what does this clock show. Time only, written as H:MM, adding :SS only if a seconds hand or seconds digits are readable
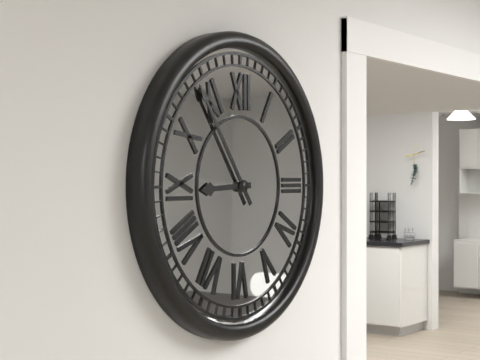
8:54
